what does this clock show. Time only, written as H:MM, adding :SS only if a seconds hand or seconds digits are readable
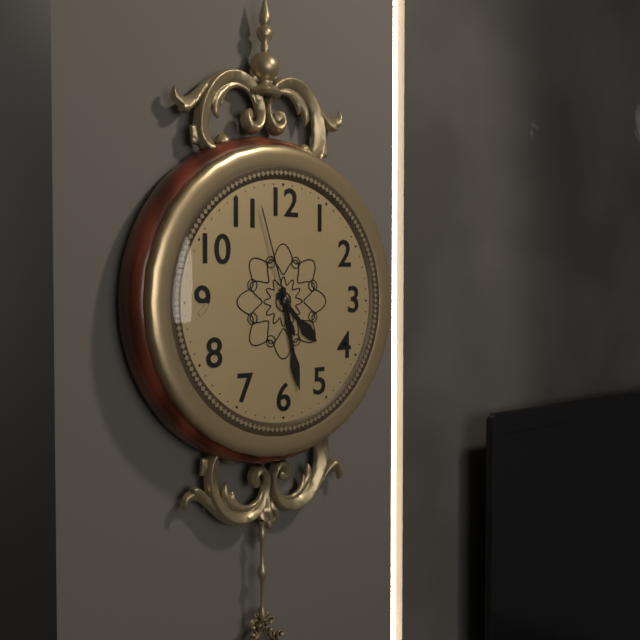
4:28:57
